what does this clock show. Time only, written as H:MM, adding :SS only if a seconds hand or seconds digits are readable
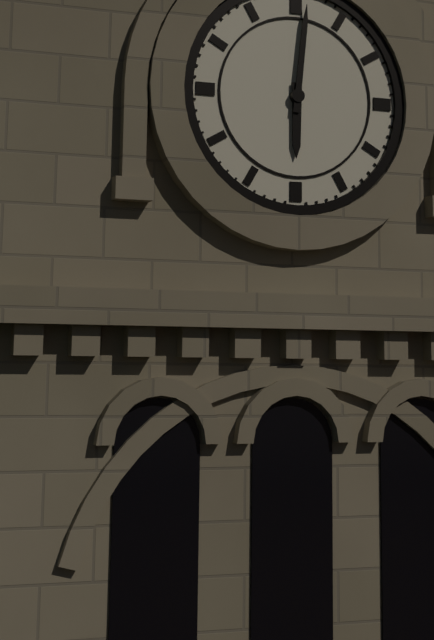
6:01
